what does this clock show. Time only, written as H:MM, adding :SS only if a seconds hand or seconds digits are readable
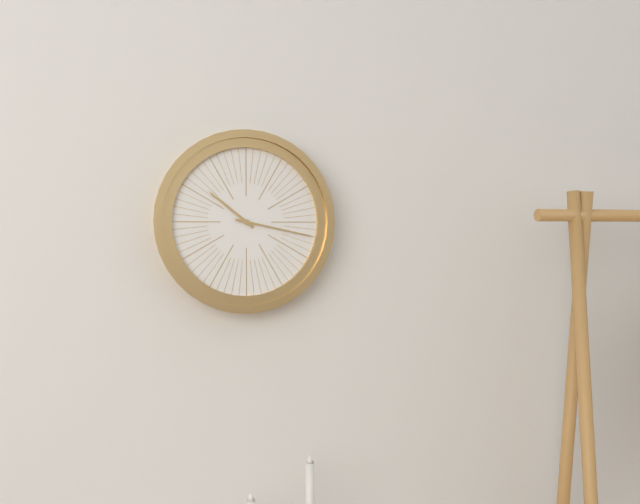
10:17
